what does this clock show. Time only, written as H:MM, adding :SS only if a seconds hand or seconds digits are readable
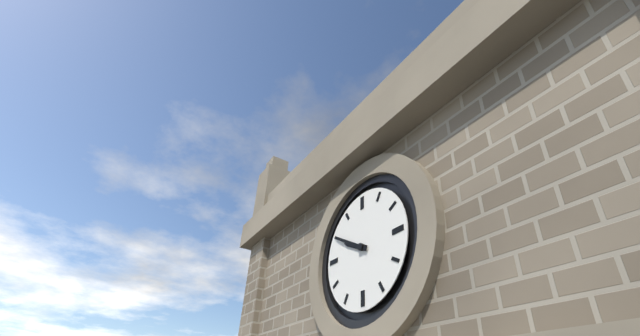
9:50
